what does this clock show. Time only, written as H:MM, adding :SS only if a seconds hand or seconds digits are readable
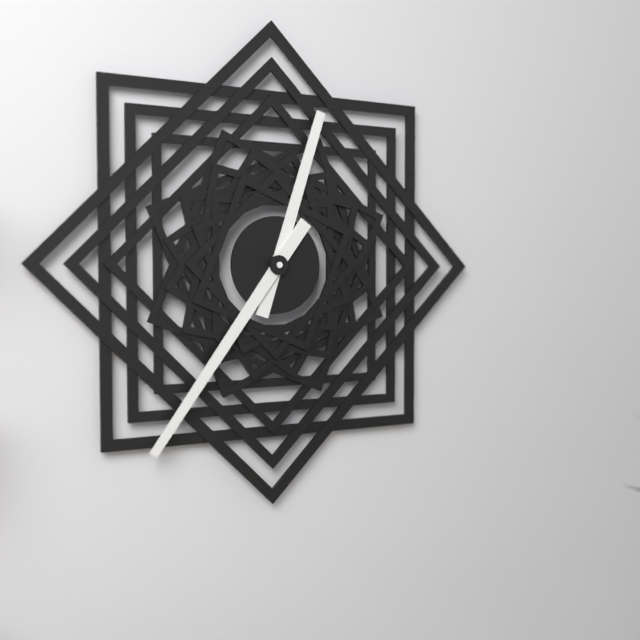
12:36
